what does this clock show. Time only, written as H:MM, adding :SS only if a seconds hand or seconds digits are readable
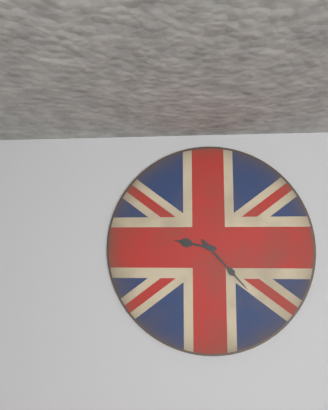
9:23
